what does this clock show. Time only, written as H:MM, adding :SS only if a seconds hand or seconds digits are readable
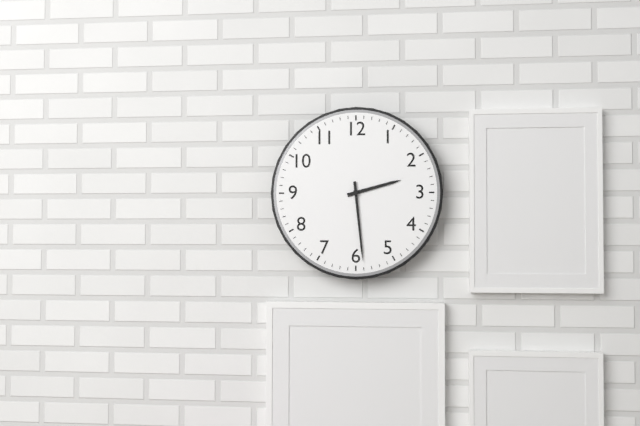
2:29
